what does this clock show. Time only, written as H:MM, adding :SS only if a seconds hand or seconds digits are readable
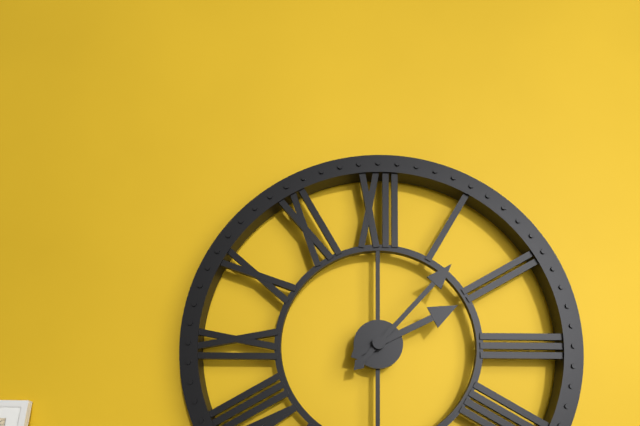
2:07
